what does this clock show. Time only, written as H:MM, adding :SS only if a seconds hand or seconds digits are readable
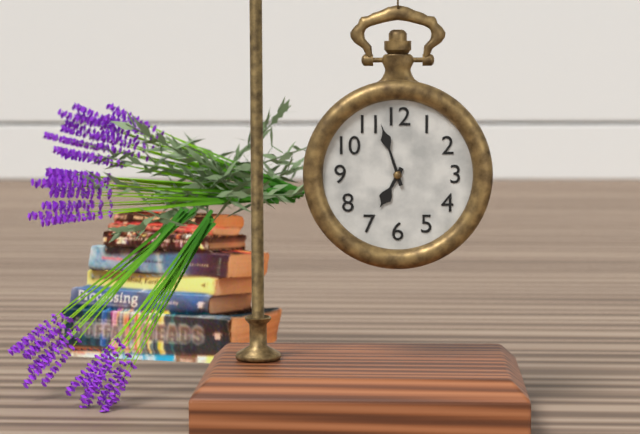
6:57
